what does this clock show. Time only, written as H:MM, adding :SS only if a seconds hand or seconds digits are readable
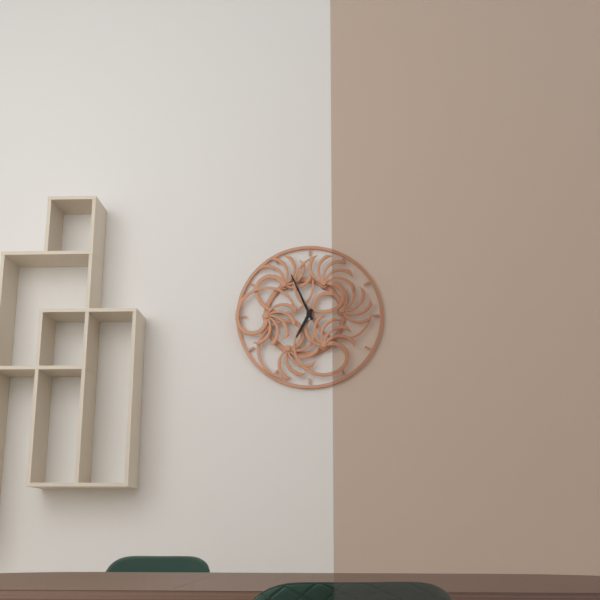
6:56
